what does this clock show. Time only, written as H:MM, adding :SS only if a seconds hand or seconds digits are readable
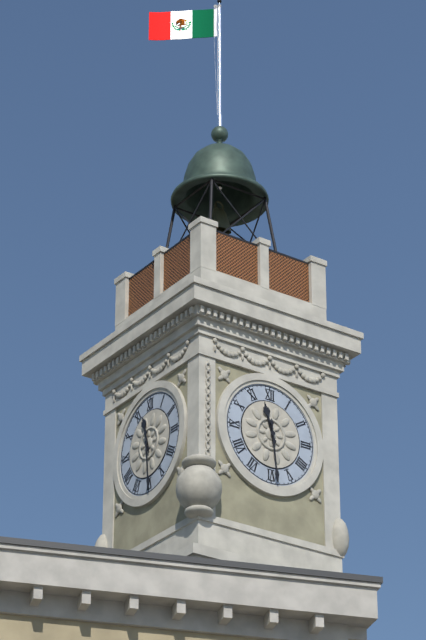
11:29
